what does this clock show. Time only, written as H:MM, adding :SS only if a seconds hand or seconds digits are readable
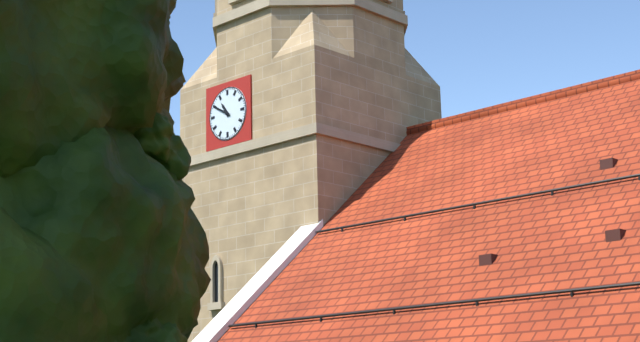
10:50
